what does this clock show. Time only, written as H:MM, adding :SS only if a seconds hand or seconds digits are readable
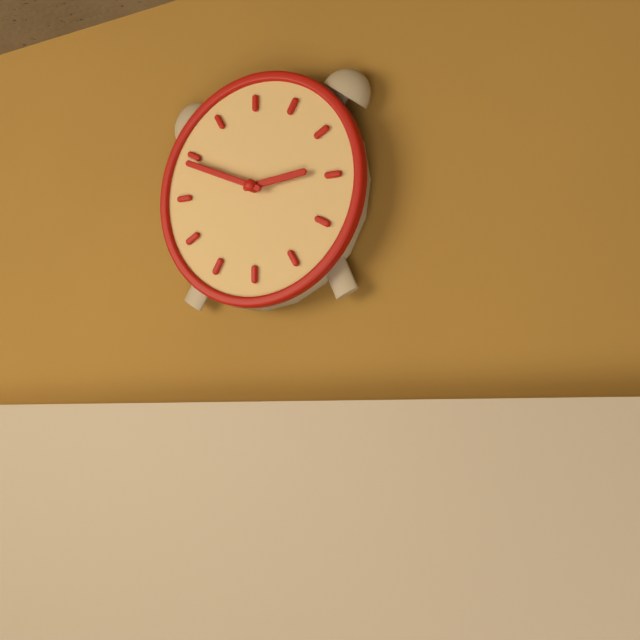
2:49
